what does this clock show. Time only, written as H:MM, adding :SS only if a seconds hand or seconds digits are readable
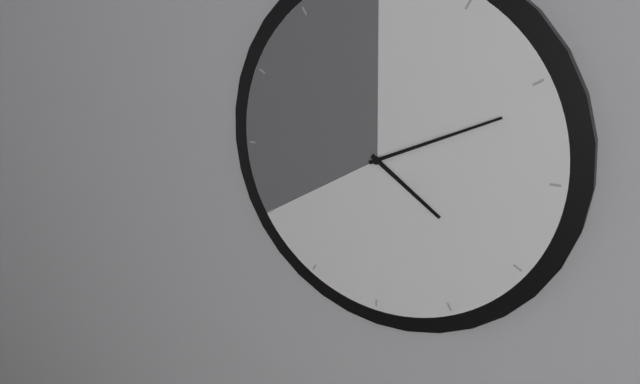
4:11
